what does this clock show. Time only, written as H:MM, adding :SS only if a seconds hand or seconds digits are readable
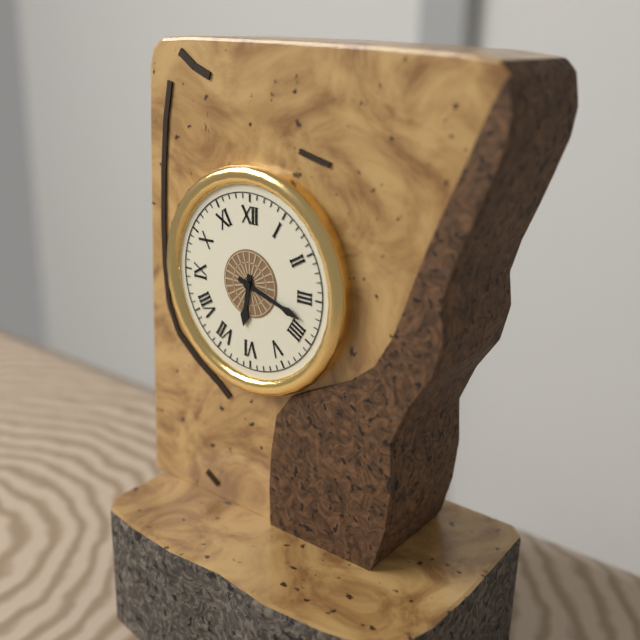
6:18
